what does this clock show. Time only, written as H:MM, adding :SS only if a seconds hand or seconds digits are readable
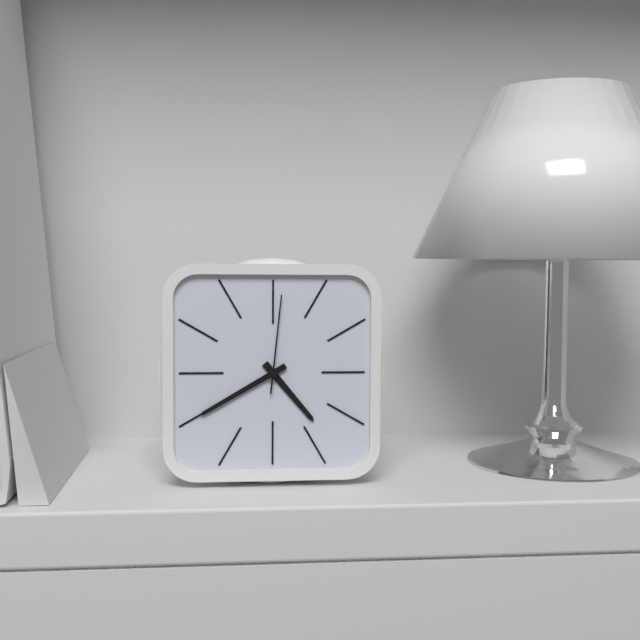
4:40:01
